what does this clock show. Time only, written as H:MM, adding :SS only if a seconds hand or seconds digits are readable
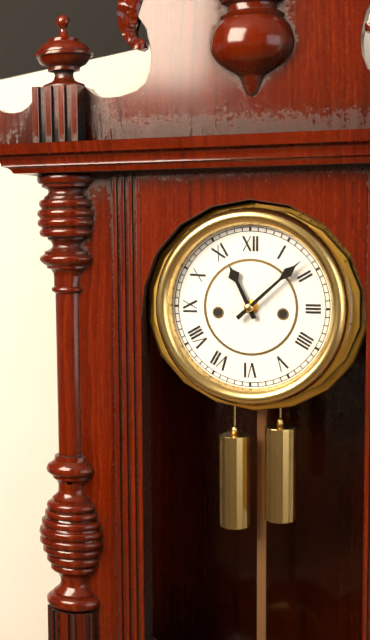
11:08
